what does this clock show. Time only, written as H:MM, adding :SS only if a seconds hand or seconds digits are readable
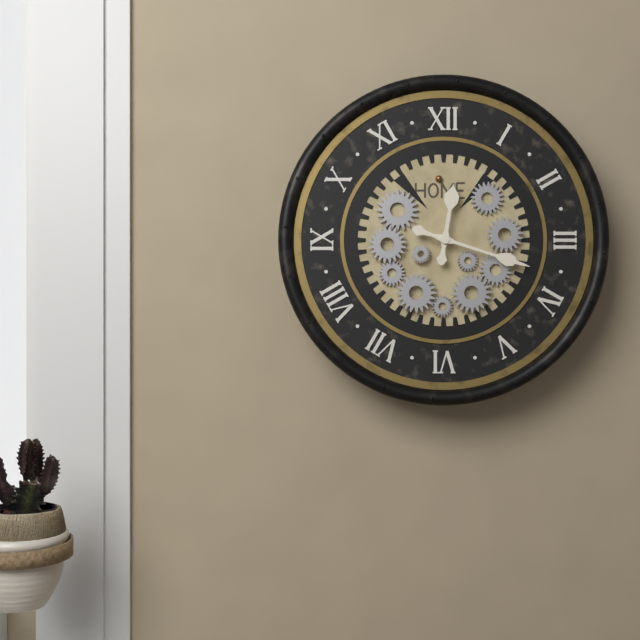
12:18
